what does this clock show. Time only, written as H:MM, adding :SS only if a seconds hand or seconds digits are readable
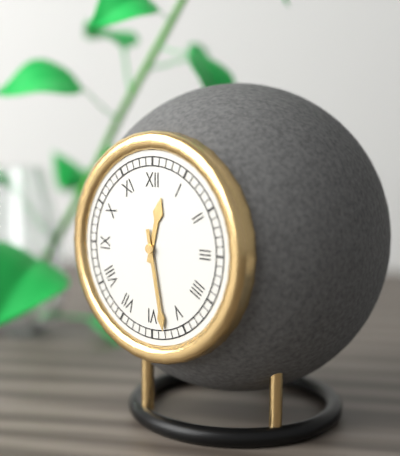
12:28
